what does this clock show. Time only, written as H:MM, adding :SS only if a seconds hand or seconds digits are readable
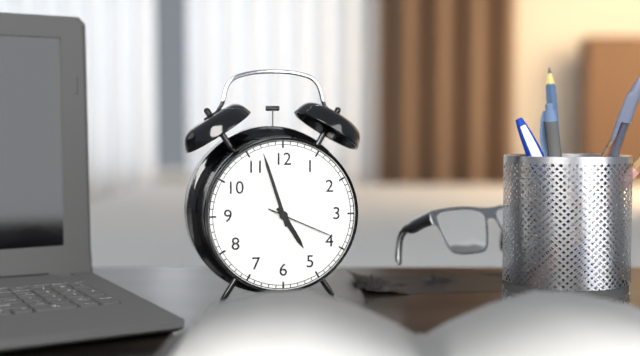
4:57:19
